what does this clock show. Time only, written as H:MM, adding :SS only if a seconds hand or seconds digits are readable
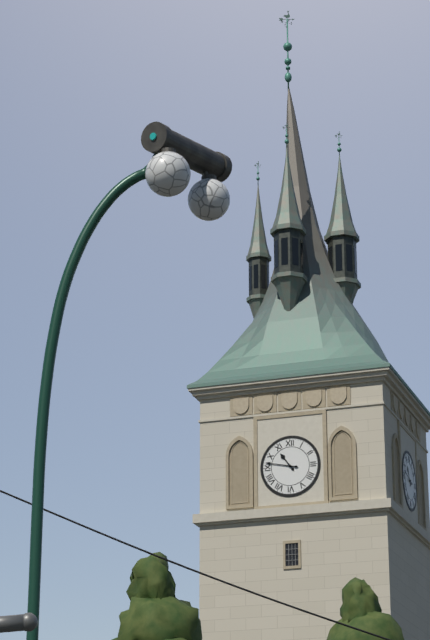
10:47
